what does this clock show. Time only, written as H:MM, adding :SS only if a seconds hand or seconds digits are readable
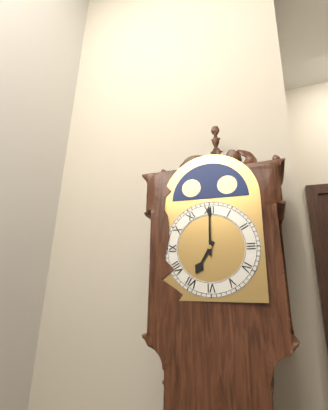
7:00
